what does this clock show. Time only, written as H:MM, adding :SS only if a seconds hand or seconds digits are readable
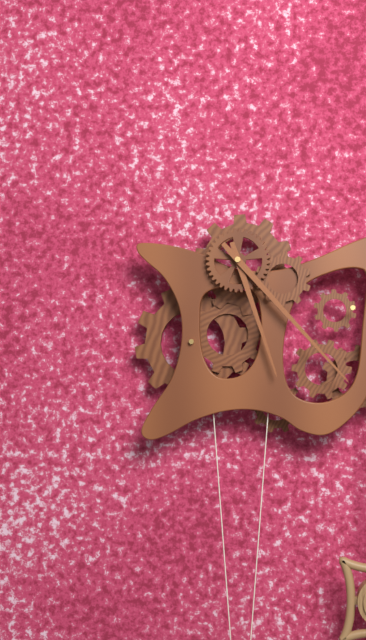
5:23
